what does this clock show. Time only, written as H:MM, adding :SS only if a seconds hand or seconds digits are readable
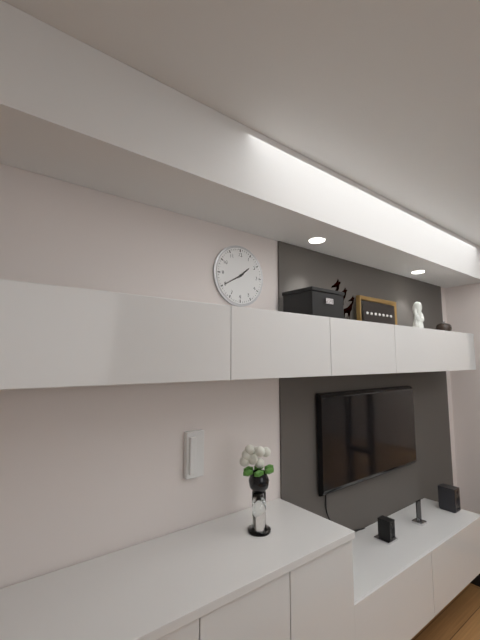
1:40
